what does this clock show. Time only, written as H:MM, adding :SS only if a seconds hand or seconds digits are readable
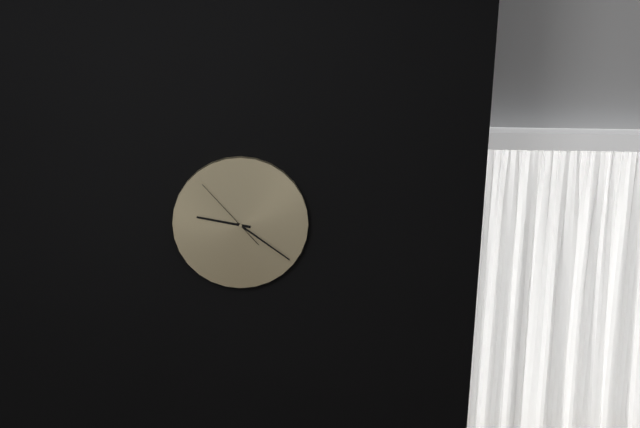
9:21:53
